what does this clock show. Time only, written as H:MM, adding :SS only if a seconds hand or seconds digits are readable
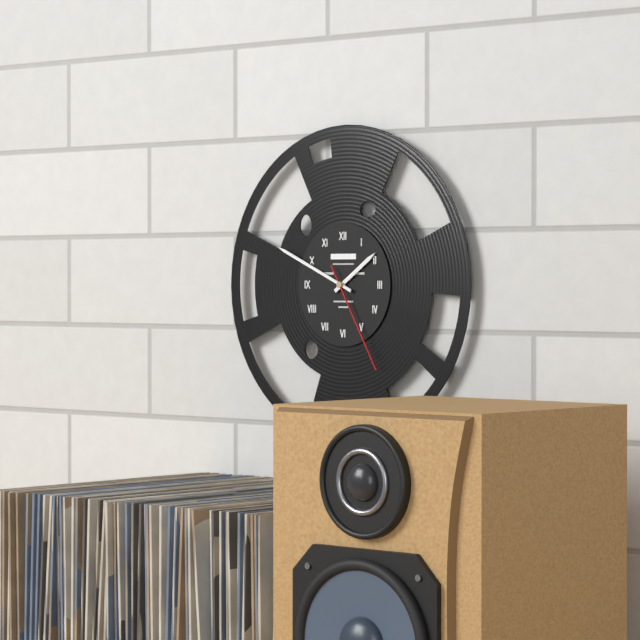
1:49:25
